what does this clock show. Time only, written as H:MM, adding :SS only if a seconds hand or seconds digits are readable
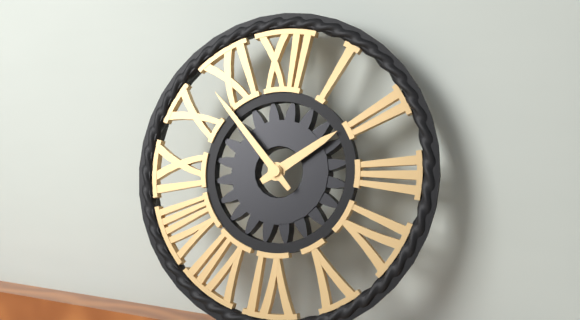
1:53
